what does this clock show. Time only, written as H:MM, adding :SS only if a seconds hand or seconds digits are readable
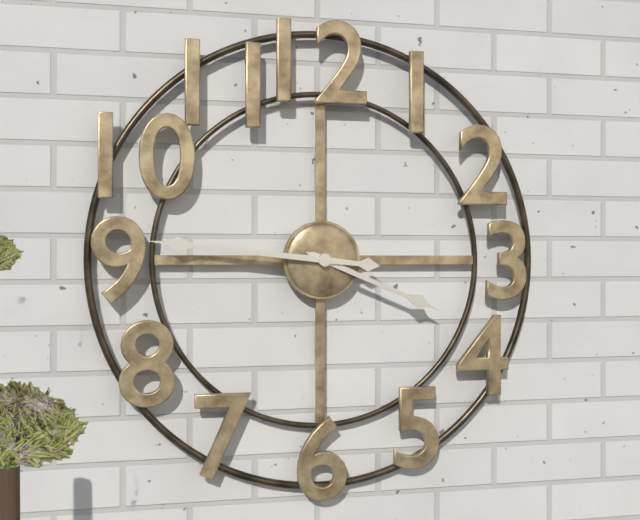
3:46
